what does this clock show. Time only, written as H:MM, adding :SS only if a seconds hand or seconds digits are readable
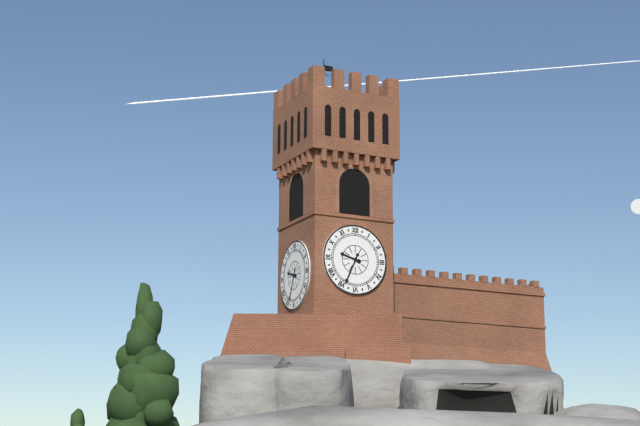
9:34
